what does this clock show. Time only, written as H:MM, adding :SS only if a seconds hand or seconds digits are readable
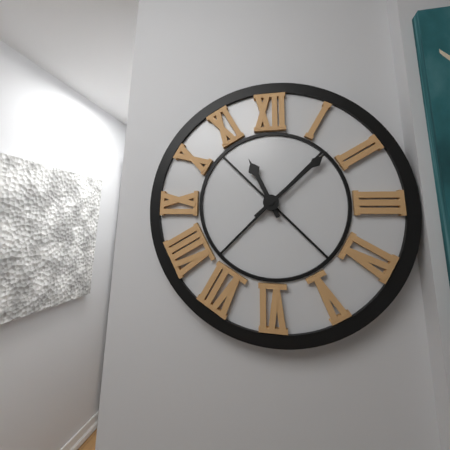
11:08
